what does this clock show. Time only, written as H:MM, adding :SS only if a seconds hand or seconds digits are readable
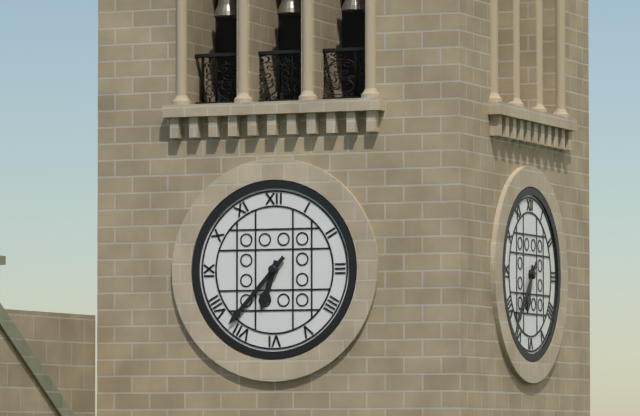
6:37
